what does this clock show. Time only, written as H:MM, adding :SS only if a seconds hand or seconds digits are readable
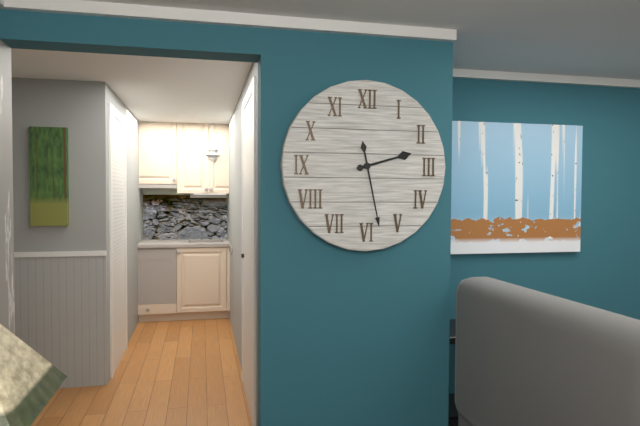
2:28
